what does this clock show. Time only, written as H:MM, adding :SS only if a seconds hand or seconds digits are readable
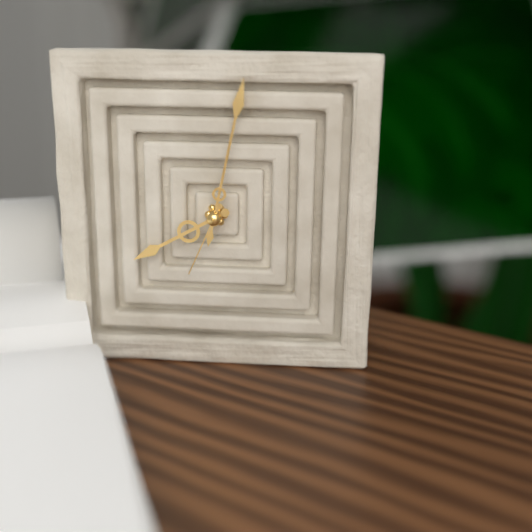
8:02:34
